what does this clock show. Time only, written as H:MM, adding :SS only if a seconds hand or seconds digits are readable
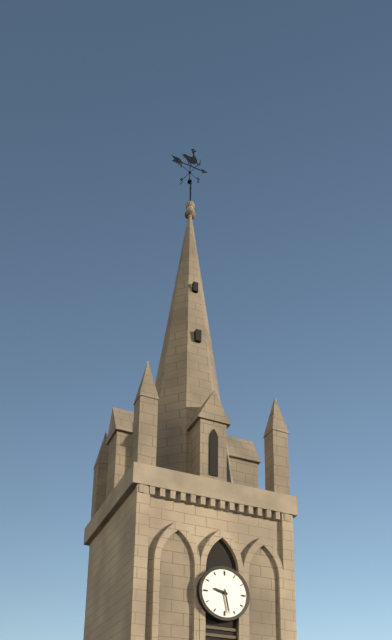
9:28
